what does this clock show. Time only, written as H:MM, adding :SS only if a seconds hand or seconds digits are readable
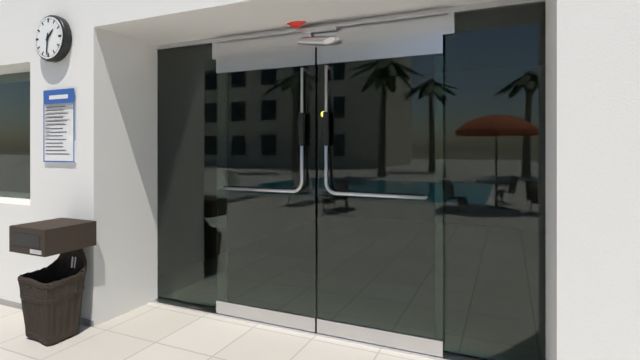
1:31
